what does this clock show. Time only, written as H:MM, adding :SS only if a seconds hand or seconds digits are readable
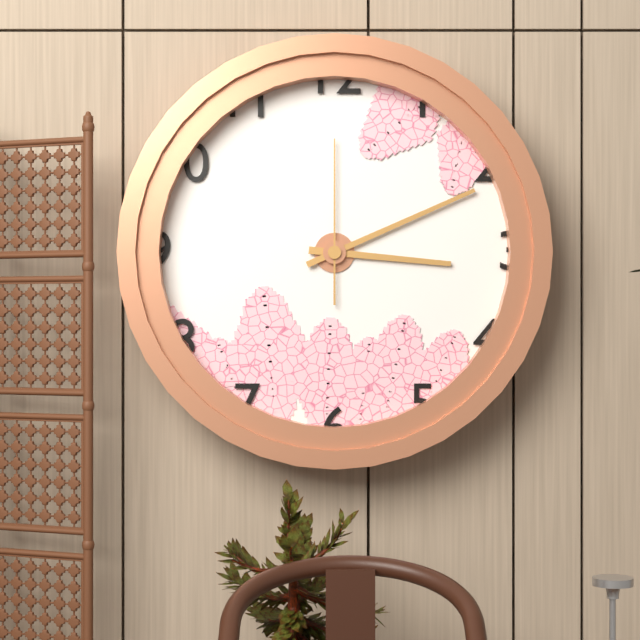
3:11:00
